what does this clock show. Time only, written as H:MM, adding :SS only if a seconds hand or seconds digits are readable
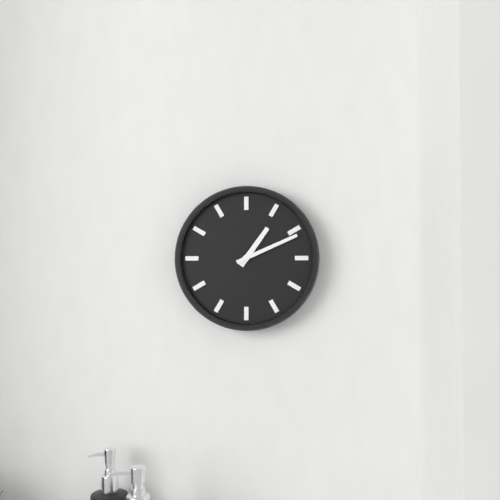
1:11
